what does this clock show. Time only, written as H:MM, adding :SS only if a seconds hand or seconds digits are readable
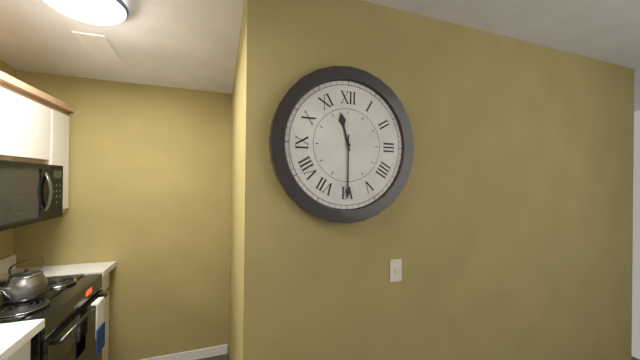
11:30
